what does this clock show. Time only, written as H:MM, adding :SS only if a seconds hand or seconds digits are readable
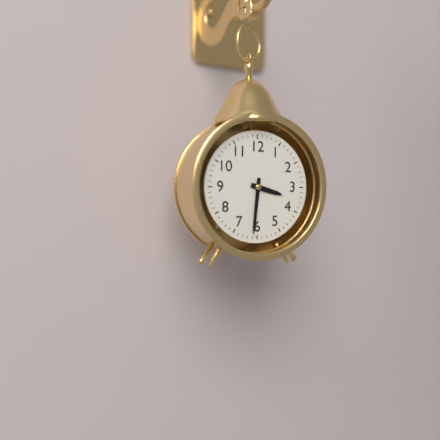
3:31
